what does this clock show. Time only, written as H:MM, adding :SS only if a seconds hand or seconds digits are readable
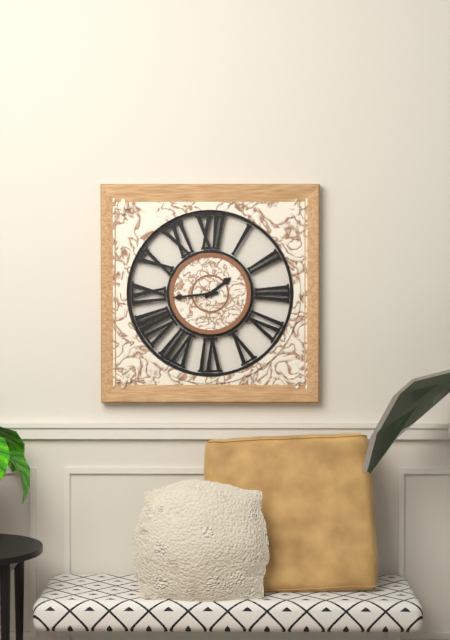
1:44
